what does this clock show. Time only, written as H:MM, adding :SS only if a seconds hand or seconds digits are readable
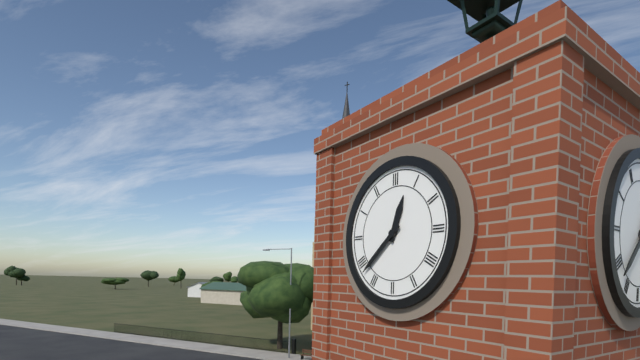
12:38
